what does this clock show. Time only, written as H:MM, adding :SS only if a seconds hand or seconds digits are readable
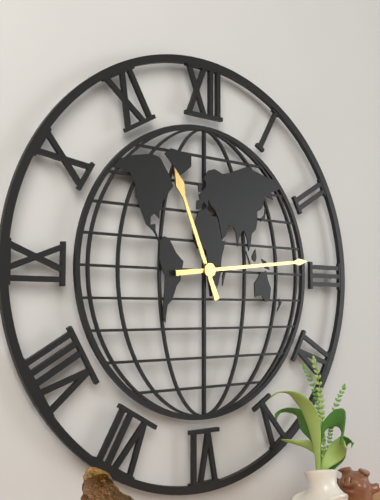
11:14
